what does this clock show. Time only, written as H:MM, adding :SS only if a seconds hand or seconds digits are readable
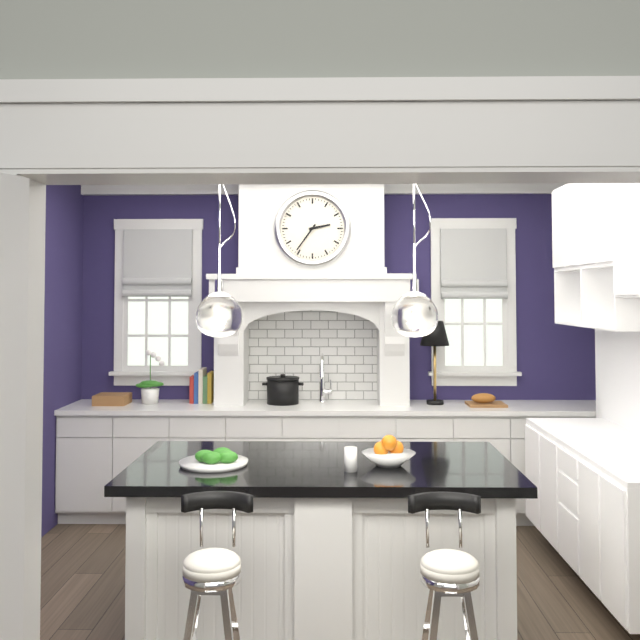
2:36
